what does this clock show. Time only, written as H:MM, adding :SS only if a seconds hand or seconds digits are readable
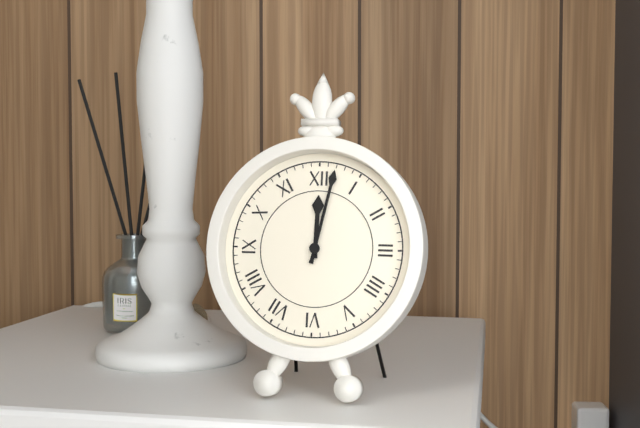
12:02
